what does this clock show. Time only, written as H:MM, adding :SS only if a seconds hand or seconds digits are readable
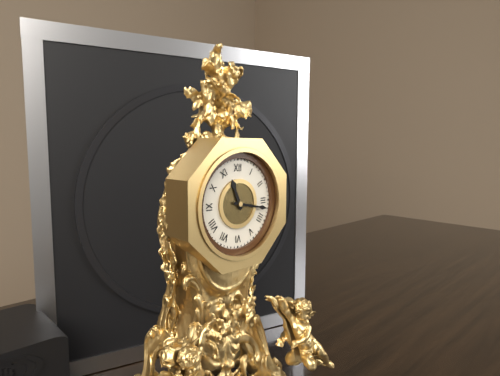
11:17
